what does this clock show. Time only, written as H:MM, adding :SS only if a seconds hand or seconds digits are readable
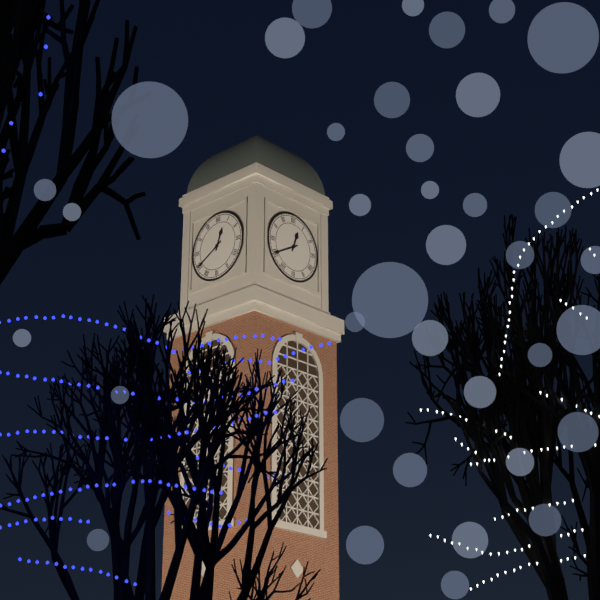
12:40
